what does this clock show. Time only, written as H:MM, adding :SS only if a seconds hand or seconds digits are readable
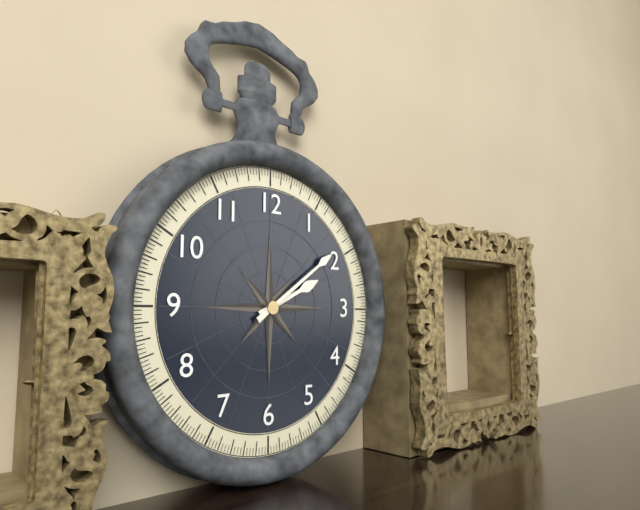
2:09
